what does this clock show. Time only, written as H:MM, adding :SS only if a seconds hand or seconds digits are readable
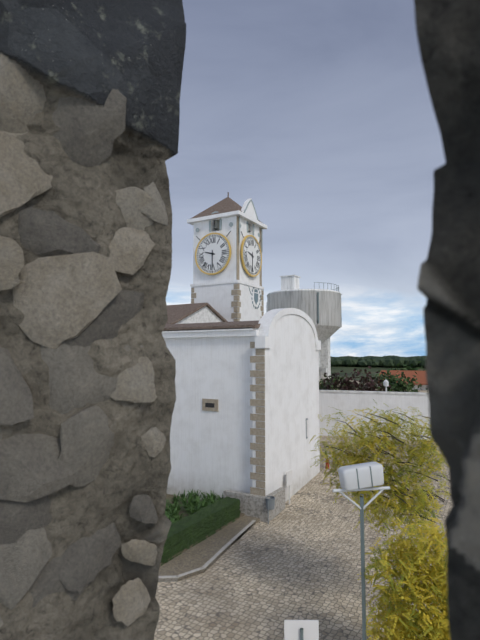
9:30
